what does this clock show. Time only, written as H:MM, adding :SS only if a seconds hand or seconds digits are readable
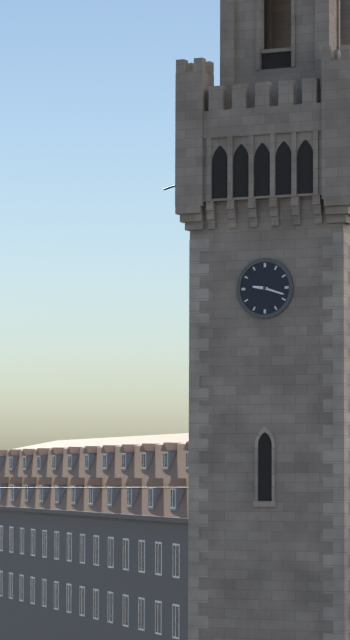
9:18
